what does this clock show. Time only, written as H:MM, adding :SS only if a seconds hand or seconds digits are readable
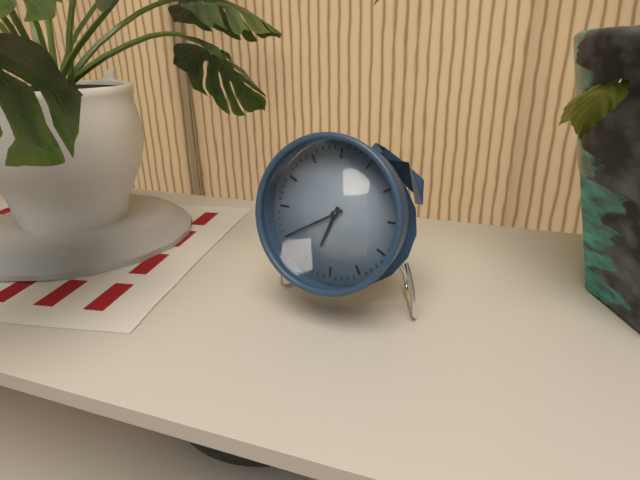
6:40
